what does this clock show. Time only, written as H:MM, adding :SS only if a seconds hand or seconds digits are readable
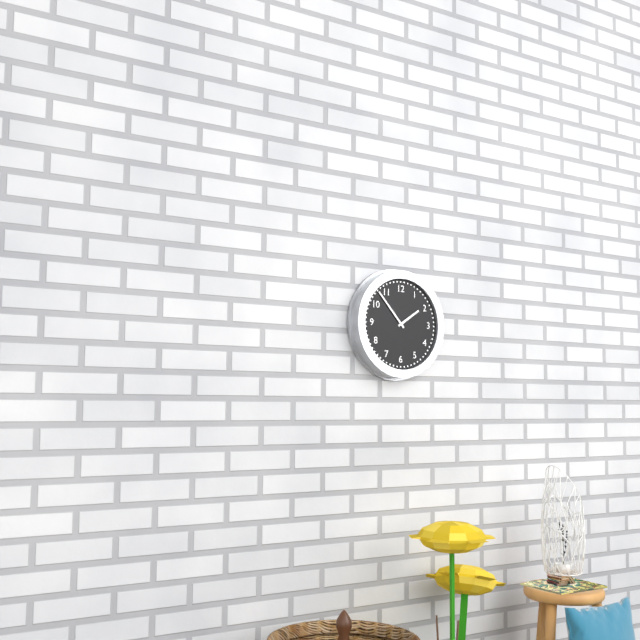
1:53
